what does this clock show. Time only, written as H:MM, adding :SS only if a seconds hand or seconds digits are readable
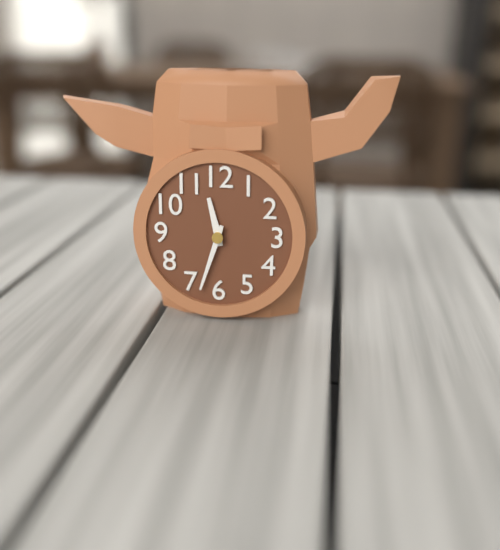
11:33
